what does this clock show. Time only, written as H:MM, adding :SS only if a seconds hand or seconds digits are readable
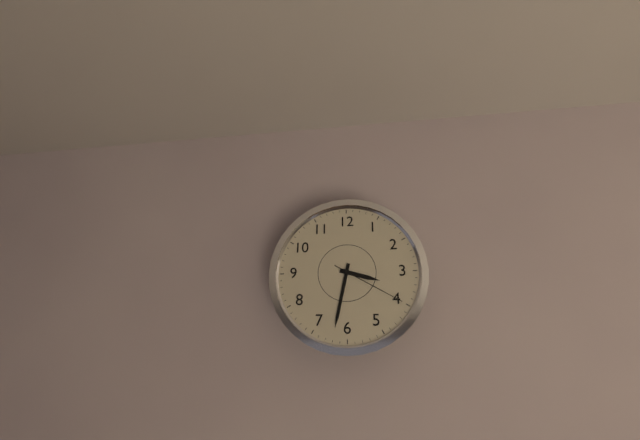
3:32:20
